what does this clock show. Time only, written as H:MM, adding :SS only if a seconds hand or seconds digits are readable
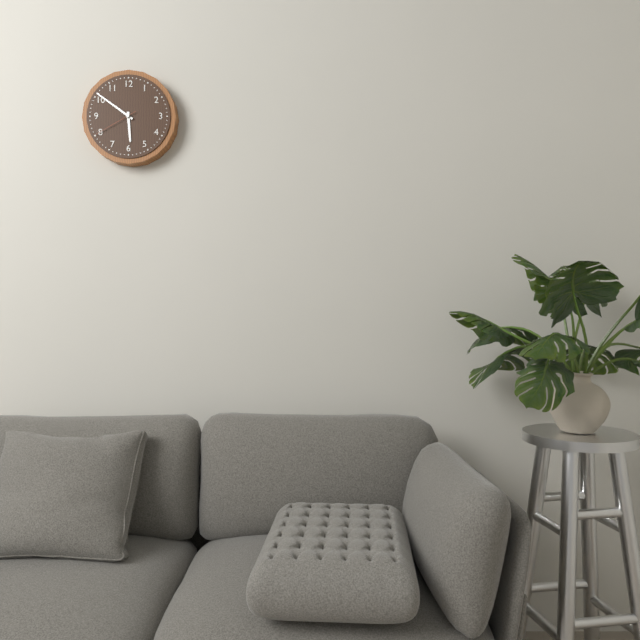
5:51
